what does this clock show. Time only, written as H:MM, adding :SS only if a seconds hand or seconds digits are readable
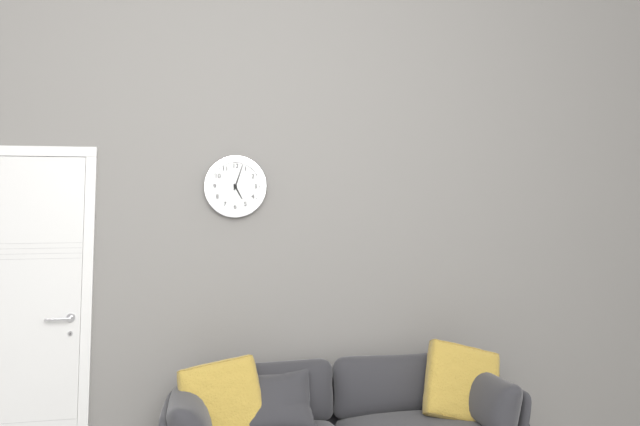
5:03
